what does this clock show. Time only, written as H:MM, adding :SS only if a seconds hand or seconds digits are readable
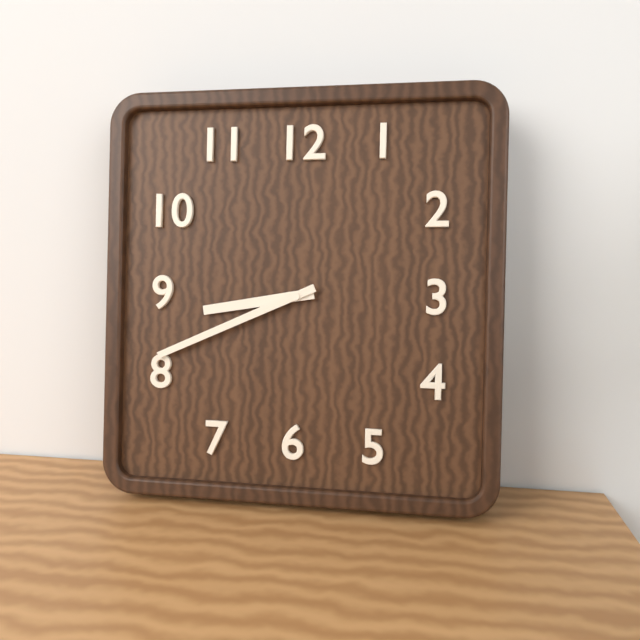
8:41
